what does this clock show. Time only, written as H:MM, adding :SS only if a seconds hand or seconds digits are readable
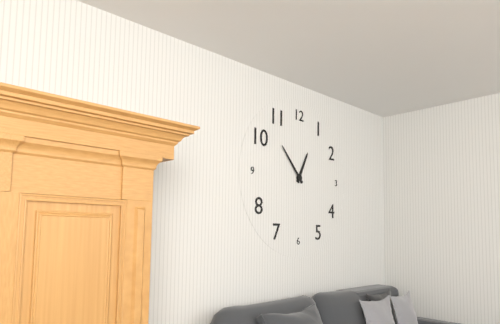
12:53
